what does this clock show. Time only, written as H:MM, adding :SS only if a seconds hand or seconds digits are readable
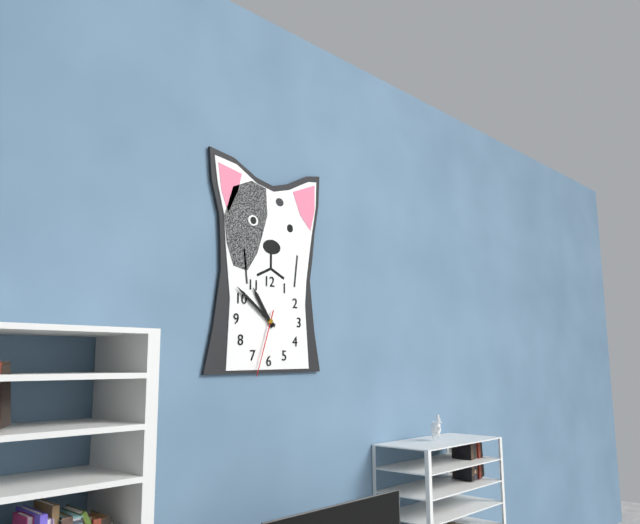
10:51:33
